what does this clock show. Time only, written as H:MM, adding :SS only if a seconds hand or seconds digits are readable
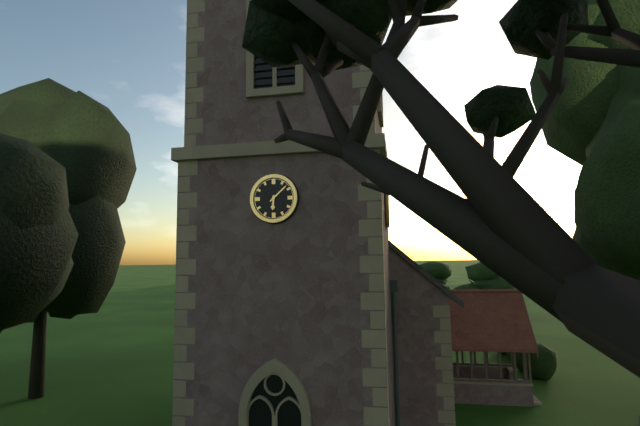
6:08
